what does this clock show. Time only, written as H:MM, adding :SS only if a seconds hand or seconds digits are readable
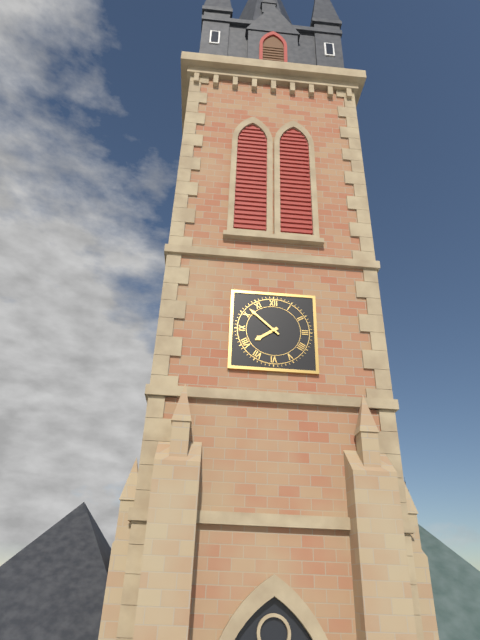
7:52
